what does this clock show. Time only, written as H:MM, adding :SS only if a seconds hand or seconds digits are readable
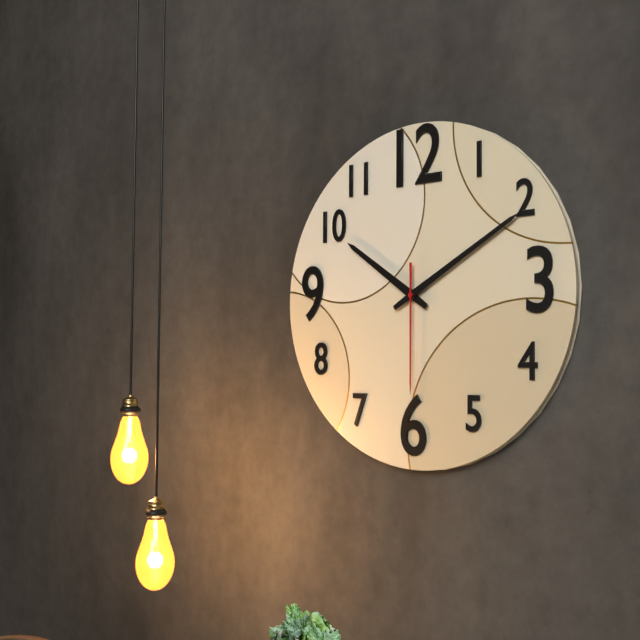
10:10:30
